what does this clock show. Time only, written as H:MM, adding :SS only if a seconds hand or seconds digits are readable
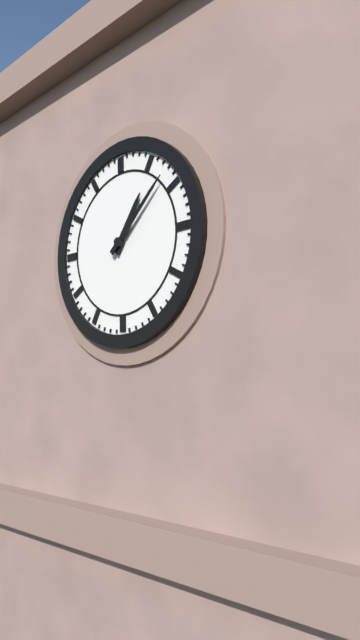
1:08
